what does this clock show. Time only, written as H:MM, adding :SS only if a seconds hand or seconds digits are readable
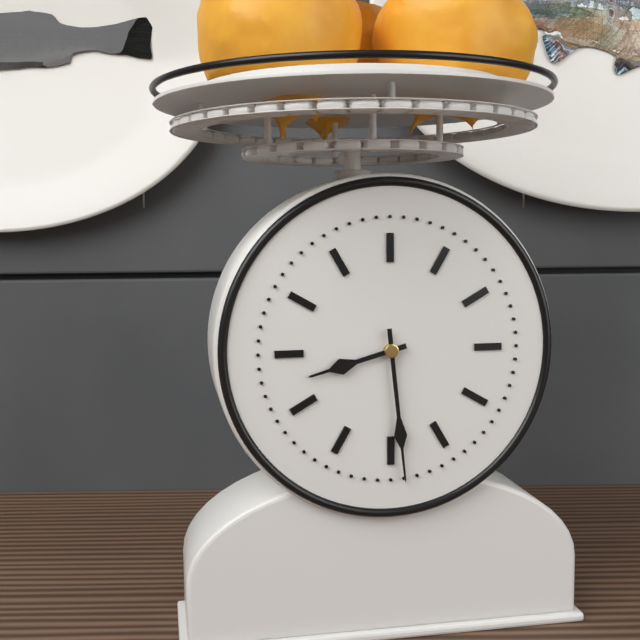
8:29
